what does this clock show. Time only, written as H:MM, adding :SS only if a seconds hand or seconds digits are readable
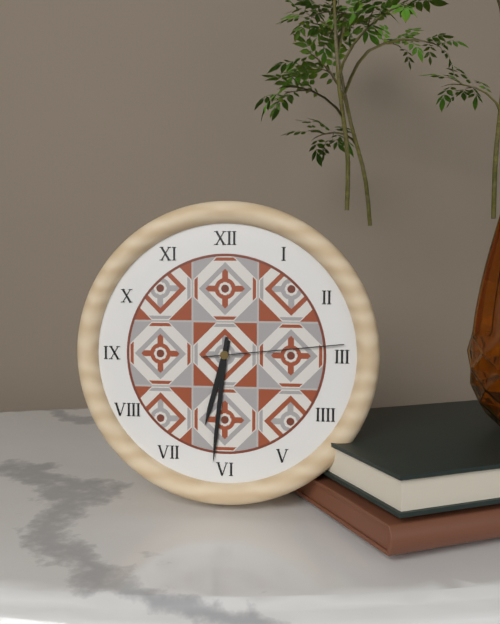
6:31:14
